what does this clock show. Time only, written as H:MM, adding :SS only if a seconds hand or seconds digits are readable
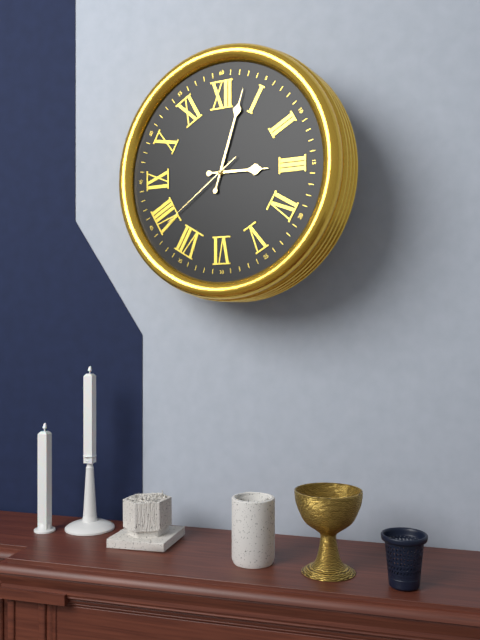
3:03:39
